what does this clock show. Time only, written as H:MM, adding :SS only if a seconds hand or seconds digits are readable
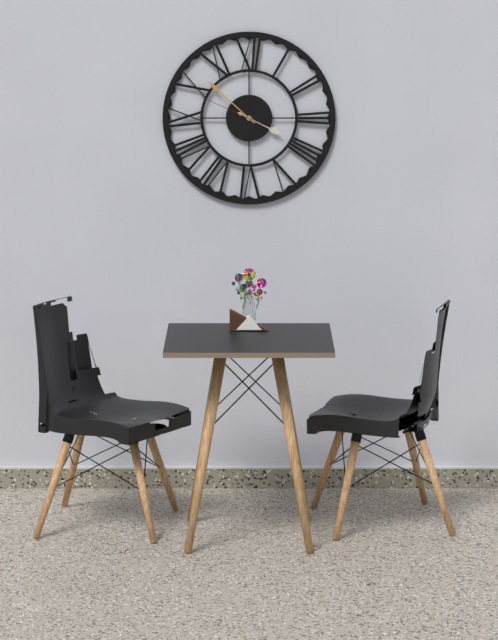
3:52:49
